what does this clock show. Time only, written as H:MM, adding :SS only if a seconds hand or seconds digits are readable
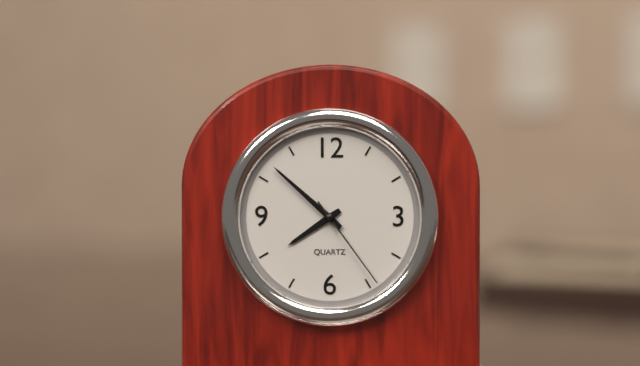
7:52:24
